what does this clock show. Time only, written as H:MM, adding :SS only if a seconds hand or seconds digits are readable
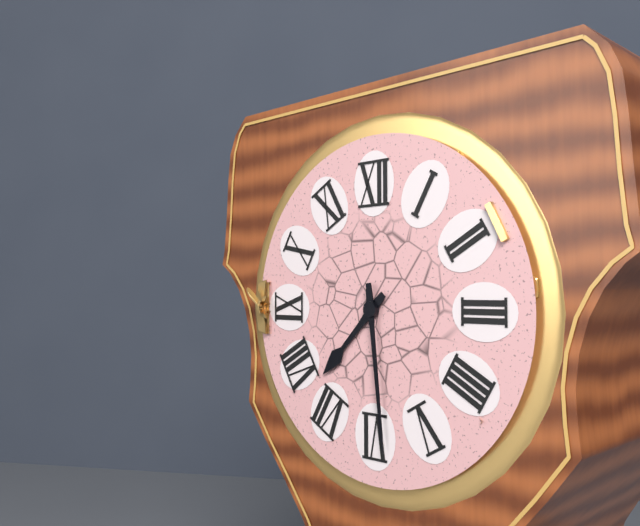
7:29
